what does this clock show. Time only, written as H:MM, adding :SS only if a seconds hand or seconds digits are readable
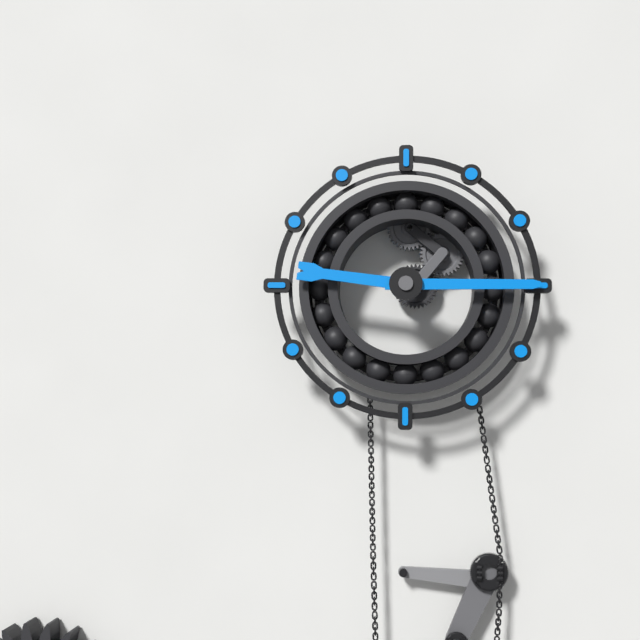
9:15
